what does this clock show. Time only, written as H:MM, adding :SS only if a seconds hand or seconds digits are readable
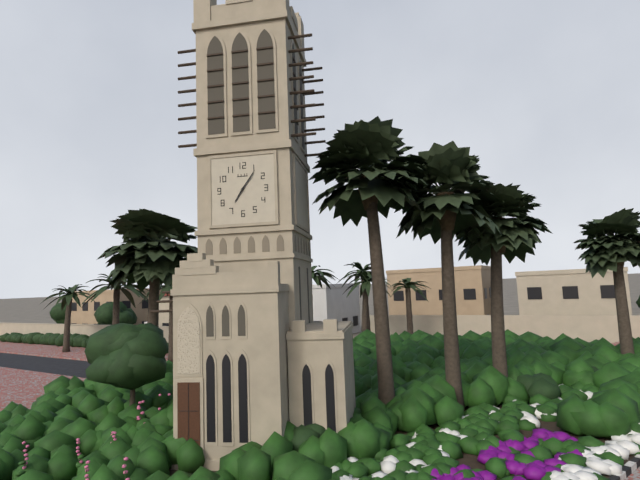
7:06
